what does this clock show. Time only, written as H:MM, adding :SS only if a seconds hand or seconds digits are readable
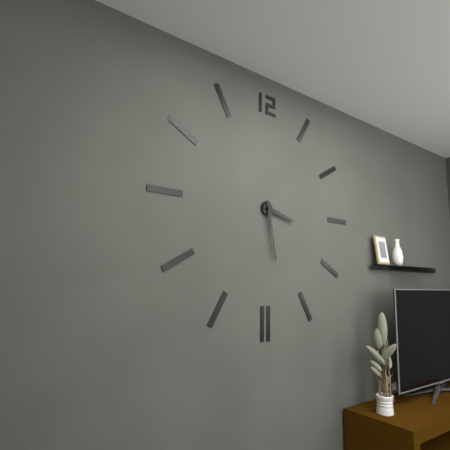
3:28
